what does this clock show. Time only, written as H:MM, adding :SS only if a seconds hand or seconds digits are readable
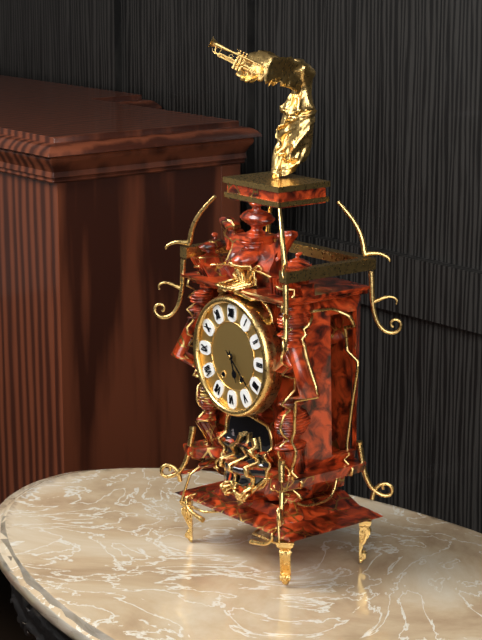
5:22
